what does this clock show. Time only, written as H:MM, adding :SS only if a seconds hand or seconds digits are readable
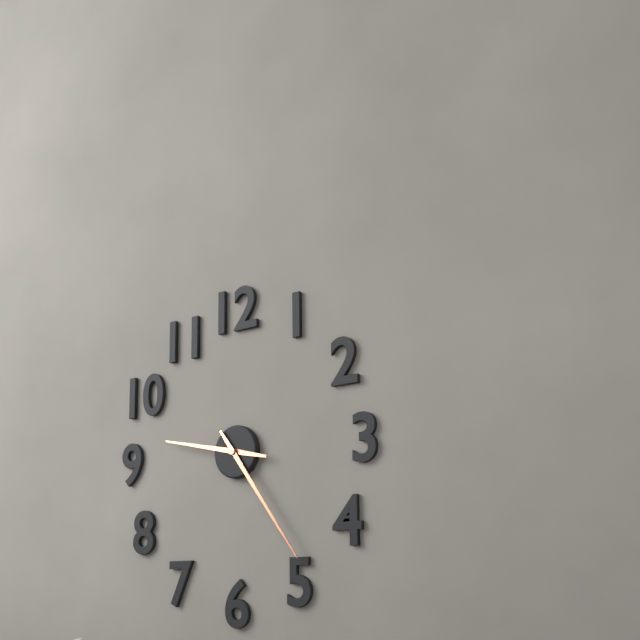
9:24
